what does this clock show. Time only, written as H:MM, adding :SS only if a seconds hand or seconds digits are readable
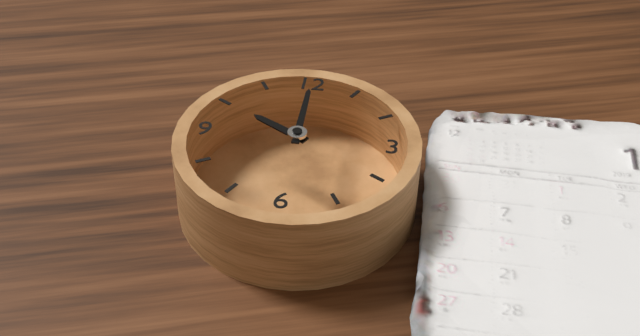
10:00
